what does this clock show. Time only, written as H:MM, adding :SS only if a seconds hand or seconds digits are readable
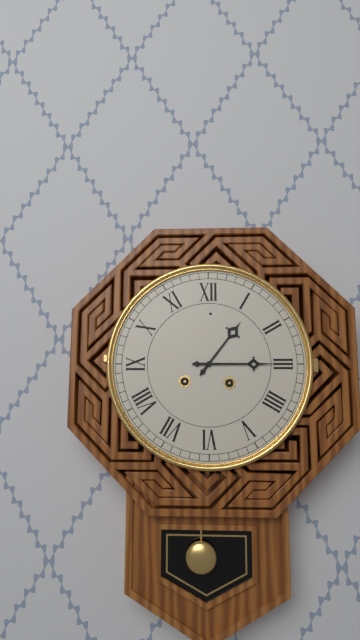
1:15
